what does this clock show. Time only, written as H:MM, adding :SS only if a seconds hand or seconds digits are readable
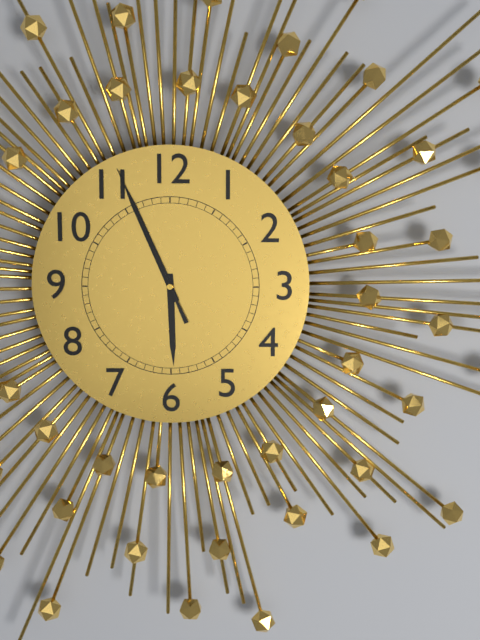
5:56:56
